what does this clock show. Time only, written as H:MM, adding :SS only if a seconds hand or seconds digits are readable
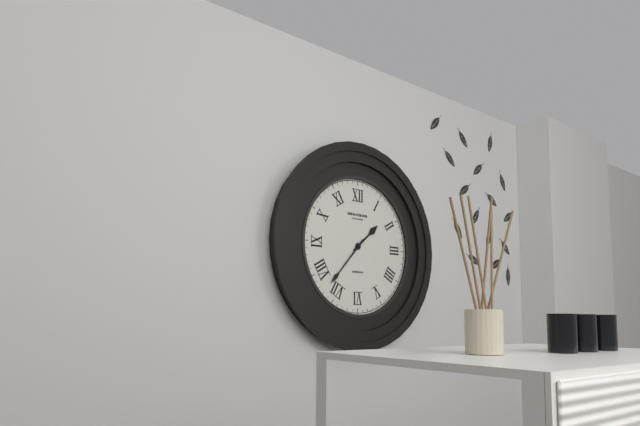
1:37
